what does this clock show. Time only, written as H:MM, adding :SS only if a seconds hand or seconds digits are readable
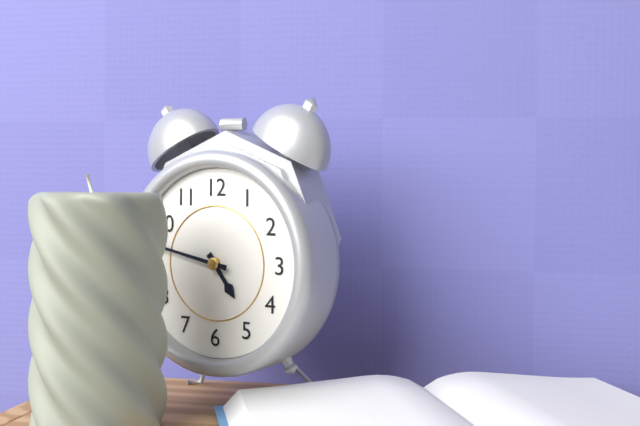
4:47
